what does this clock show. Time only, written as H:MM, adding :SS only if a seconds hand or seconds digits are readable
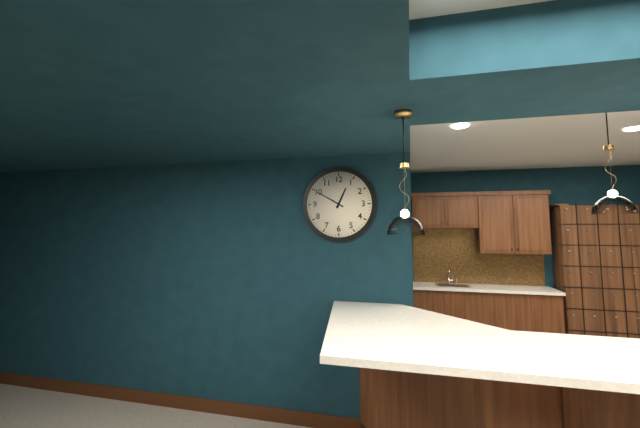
12:50
